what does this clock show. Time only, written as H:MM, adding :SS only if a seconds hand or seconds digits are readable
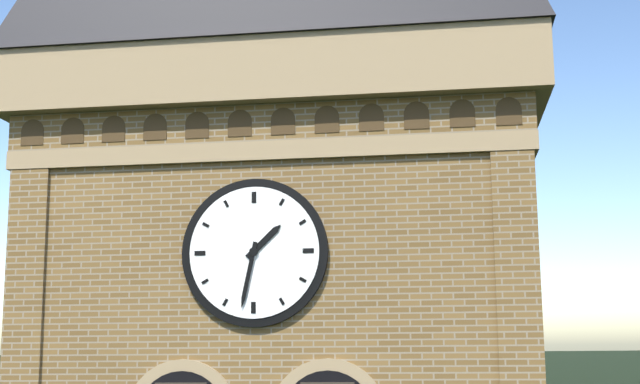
1:32
